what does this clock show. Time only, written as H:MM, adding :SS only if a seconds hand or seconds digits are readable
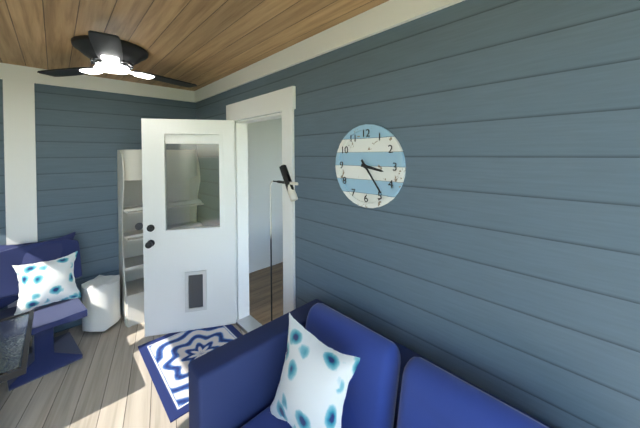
3:24
